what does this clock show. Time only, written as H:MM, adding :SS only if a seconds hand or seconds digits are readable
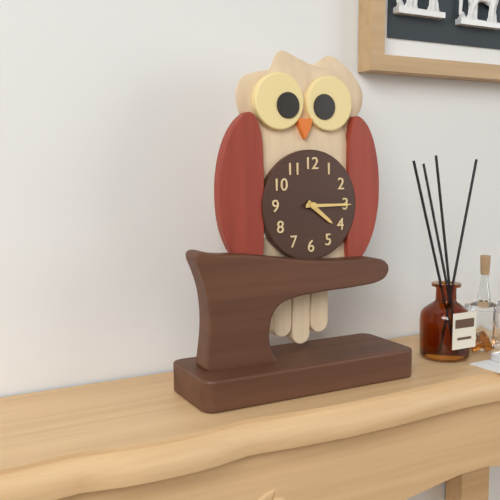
4:15
